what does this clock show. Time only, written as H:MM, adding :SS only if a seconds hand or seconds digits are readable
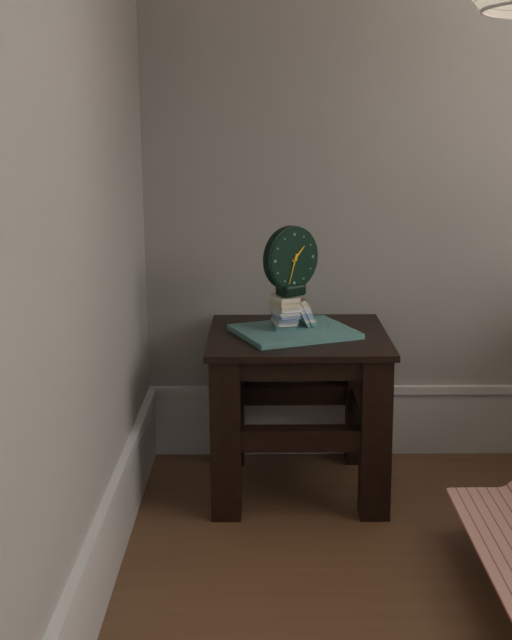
1:33
